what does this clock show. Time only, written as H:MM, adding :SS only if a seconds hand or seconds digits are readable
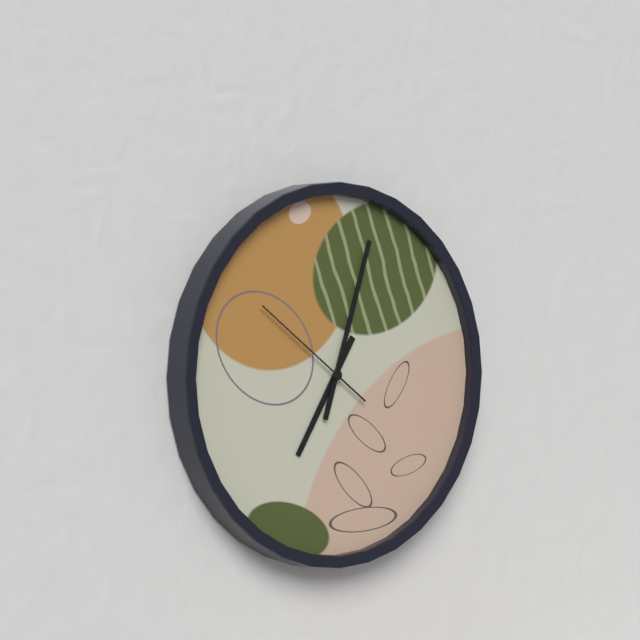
7:03:51
